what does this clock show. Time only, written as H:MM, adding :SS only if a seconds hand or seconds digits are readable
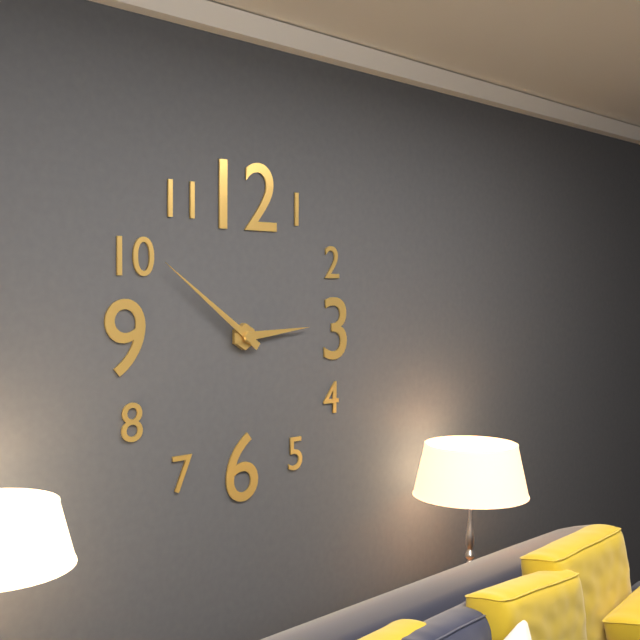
2:51
